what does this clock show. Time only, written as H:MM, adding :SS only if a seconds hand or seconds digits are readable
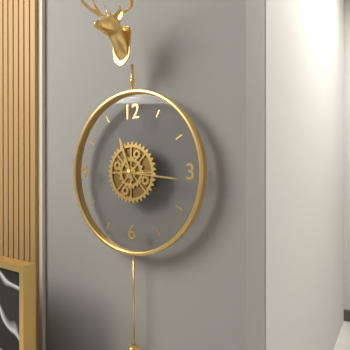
11:16
